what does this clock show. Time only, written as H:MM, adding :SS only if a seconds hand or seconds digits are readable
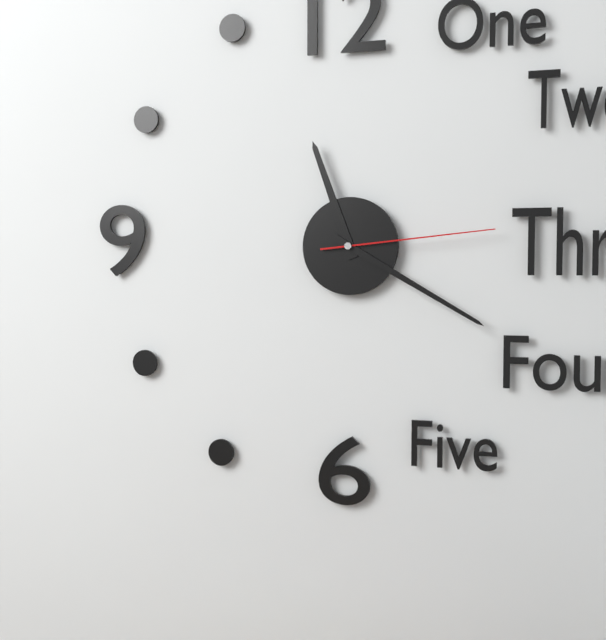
11:20:14
